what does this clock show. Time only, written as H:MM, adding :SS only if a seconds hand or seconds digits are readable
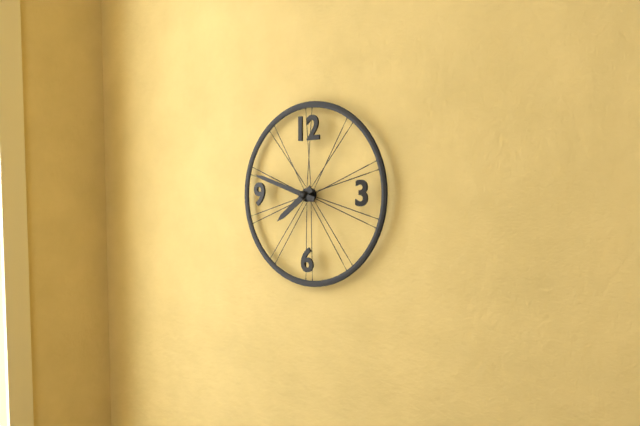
7:48
